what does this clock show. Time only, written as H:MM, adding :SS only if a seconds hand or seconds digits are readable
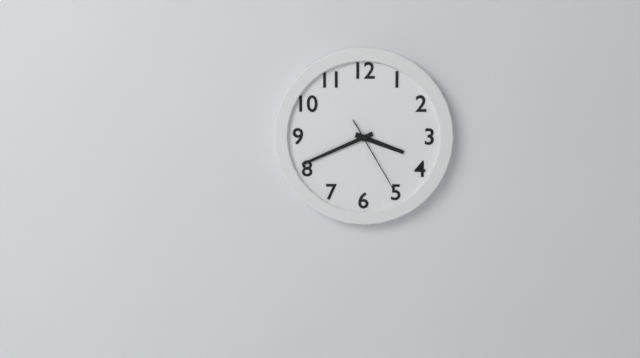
3:41:25
